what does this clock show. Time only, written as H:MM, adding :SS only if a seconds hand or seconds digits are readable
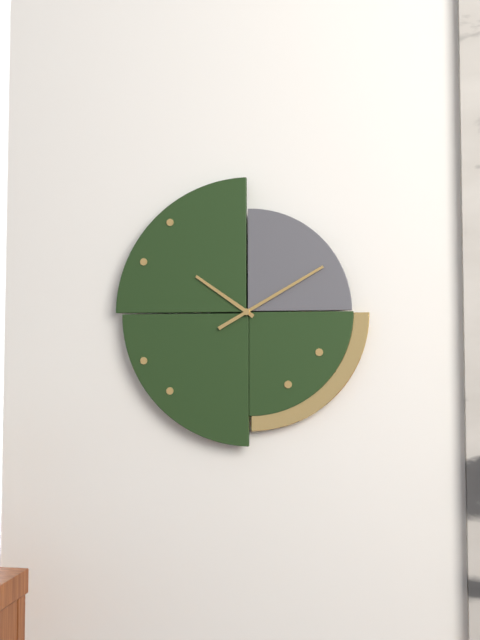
10:10
